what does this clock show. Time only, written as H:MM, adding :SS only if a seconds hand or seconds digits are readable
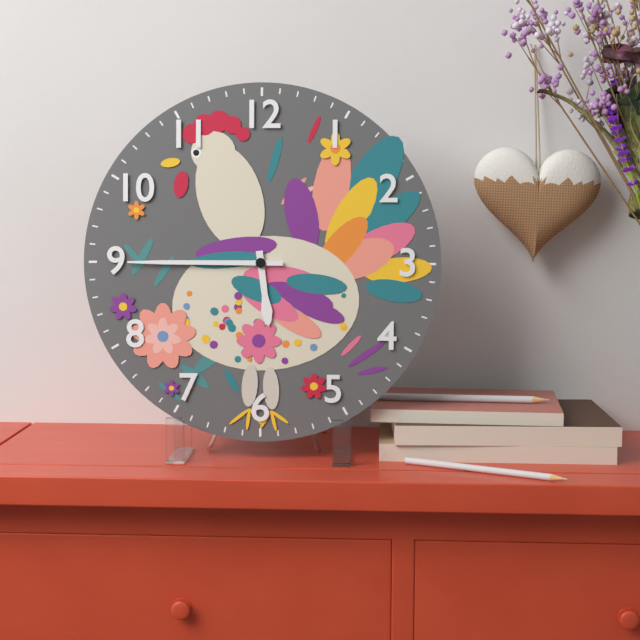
5:45
